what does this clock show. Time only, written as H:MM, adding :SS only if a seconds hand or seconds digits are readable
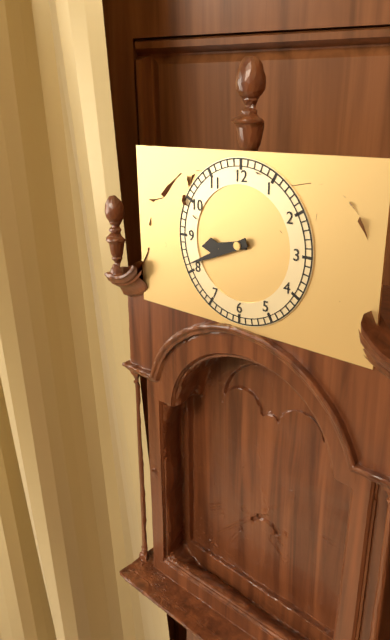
8:41
